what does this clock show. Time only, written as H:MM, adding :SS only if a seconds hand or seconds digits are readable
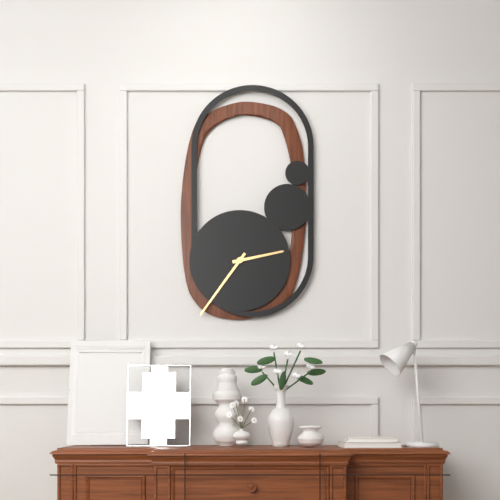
2:36
